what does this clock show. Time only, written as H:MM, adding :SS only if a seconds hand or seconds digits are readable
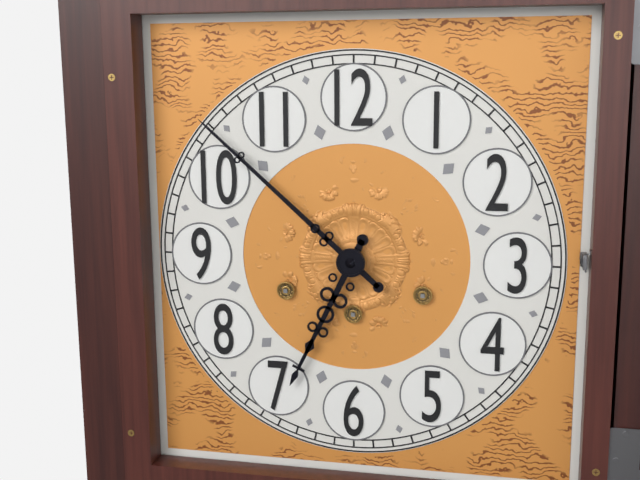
6:52
